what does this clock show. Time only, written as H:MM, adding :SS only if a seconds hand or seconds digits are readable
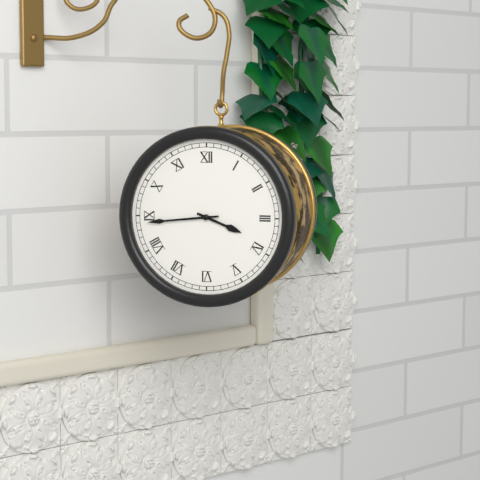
3:44
